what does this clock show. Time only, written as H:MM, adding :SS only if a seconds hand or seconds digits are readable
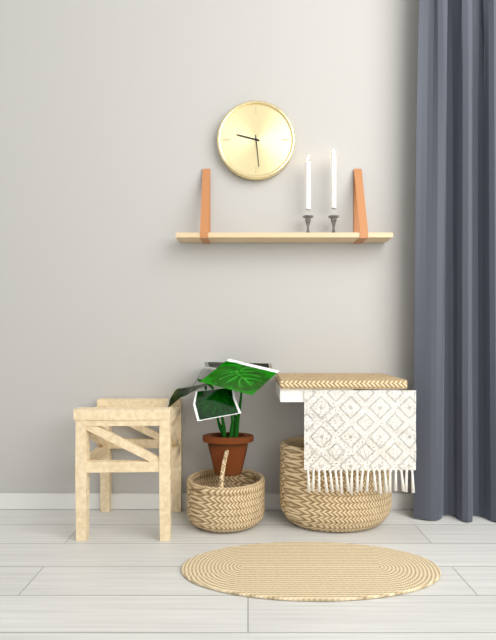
9:29
